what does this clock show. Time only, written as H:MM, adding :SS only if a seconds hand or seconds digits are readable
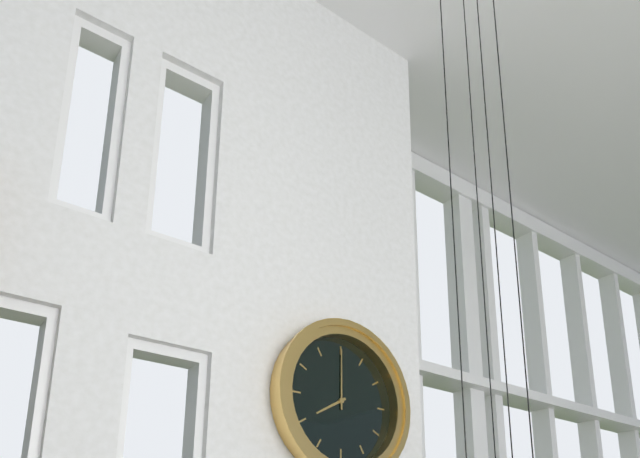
8:00
